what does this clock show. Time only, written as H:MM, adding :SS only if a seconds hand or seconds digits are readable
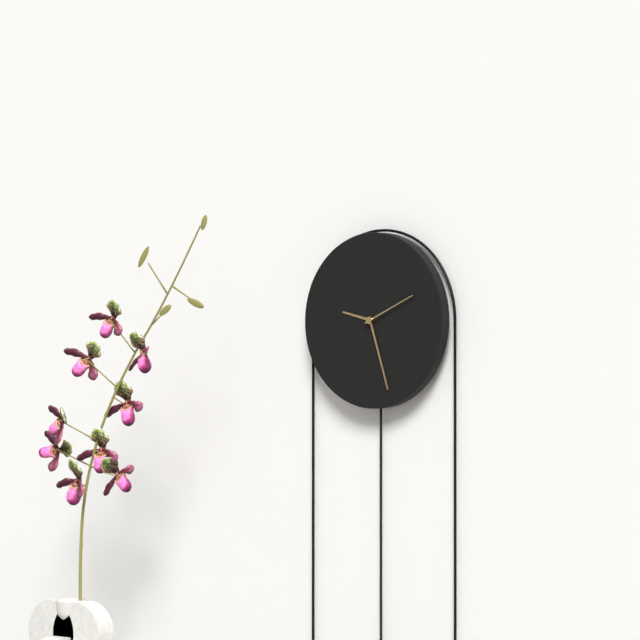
9:27:11
